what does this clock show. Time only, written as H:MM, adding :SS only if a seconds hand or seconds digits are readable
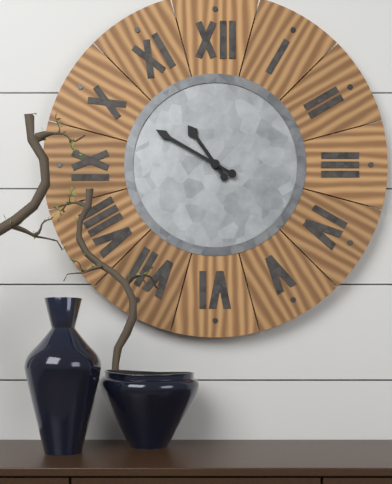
10:50
